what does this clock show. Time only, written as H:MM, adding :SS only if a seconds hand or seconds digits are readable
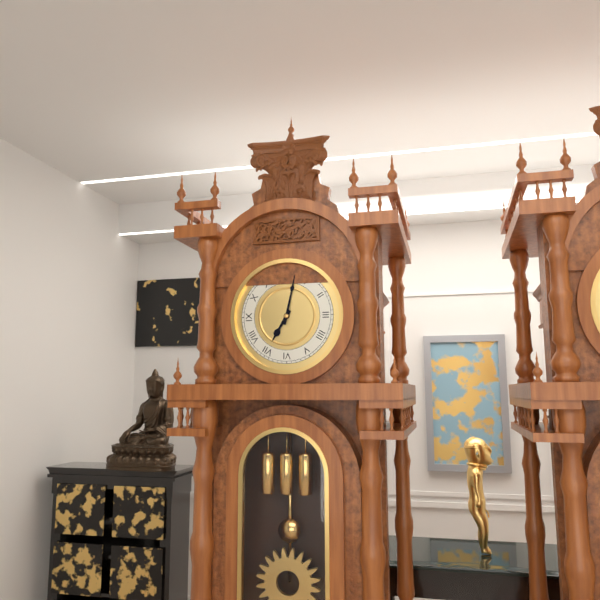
7:02
